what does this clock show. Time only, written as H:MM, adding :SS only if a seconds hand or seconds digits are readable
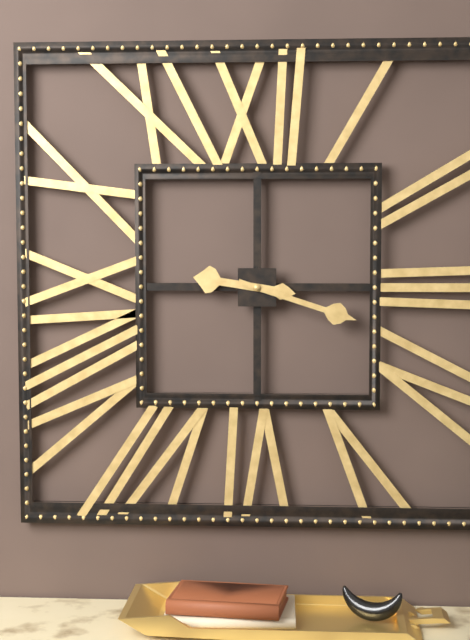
9:18
